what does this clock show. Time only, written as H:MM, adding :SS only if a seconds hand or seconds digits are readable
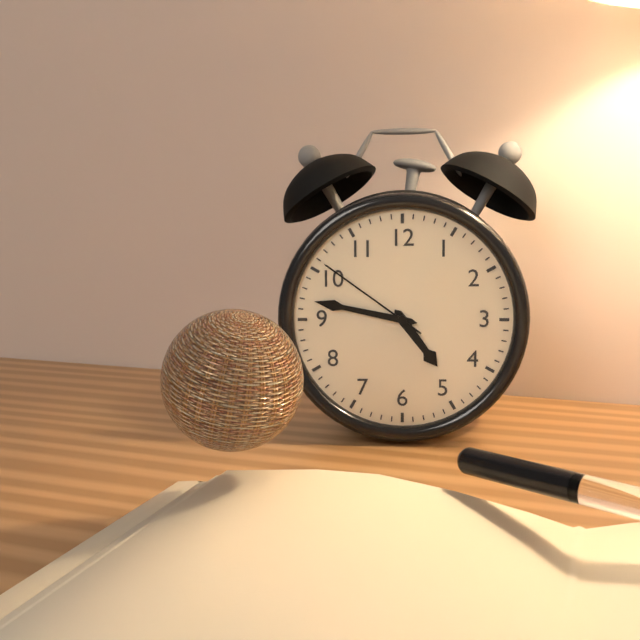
4:47:51
